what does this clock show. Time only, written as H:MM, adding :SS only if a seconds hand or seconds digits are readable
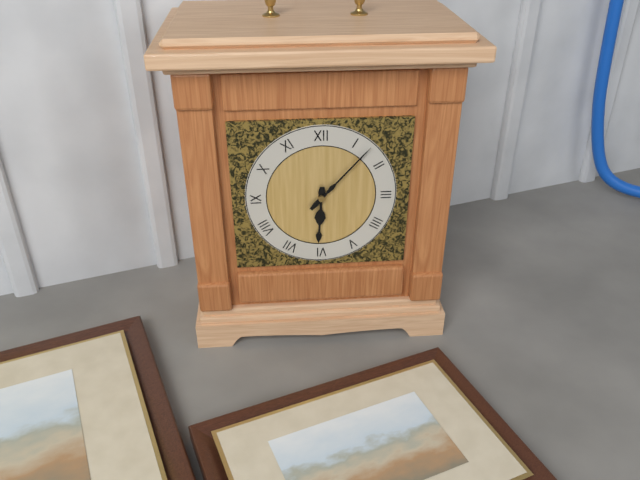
6:07
